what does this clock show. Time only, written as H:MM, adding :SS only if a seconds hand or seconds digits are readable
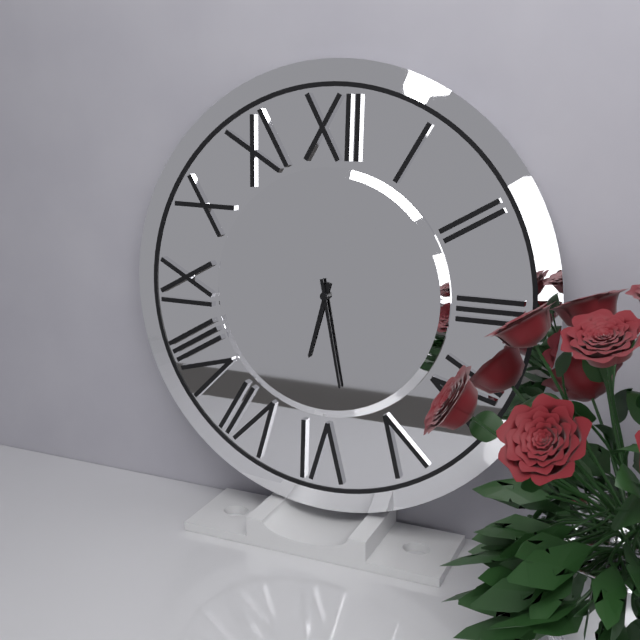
6:28
